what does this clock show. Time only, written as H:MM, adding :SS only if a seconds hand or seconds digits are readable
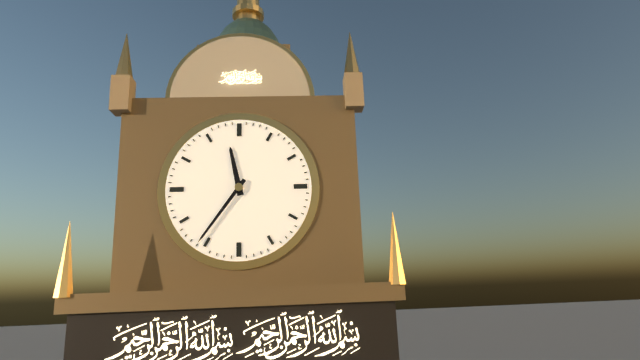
11:36
